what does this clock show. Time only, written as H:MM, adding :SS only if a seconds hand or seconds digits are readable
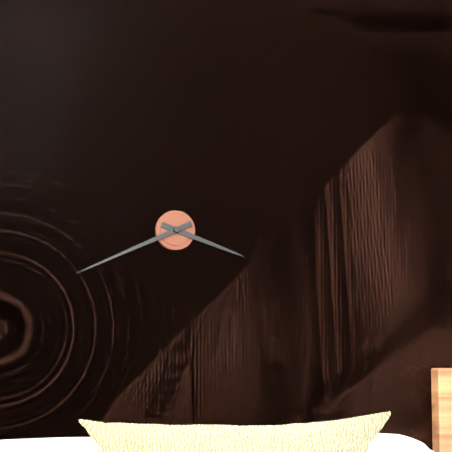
3:41
